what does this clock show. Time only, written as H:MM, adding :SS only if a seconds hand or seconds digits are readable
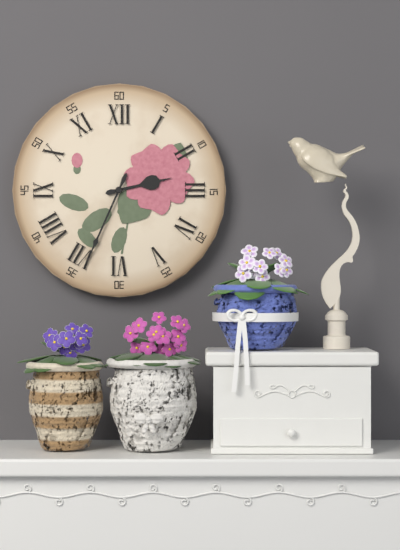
2:34
